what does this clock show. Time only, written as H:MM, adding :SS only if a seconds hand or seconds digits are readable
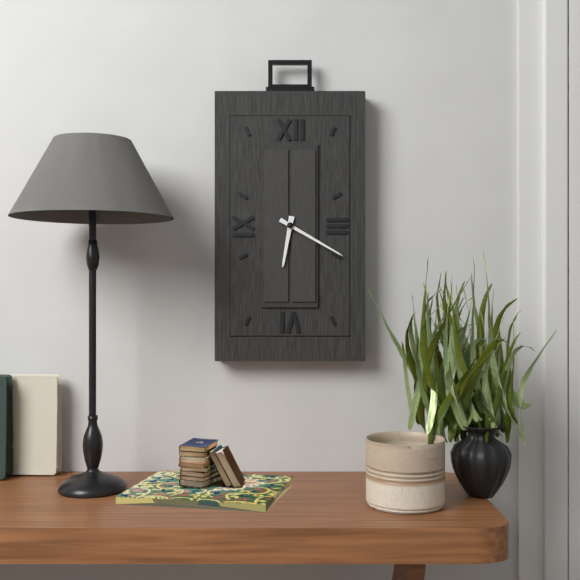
6:20
